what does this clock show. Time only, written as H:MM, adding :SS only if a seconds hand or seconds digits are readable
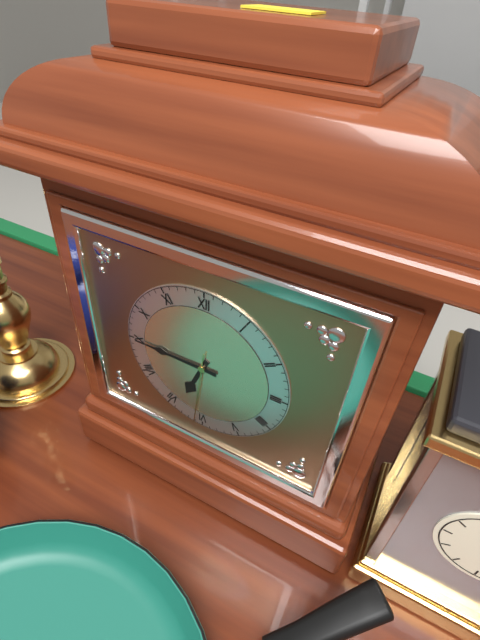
6:45:31
